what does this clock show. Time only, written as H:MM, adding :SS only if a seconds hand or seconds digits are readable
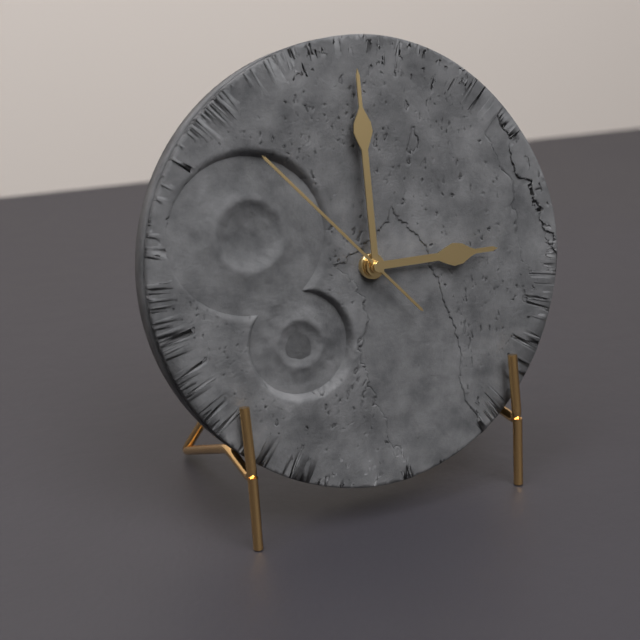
3:00:53
